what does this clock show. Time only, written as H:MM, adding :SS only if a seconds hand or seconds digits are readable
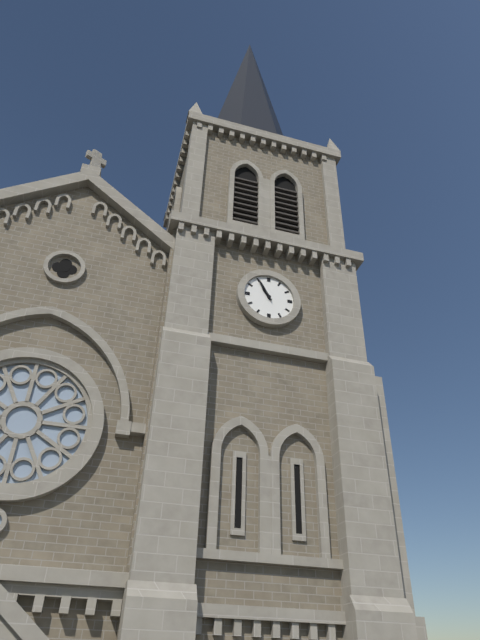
10:55
